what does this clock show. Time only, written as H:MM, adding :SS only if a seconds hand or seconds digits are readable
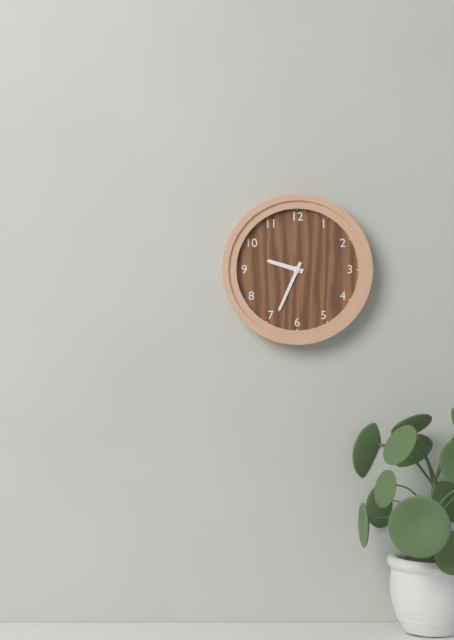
9:34
